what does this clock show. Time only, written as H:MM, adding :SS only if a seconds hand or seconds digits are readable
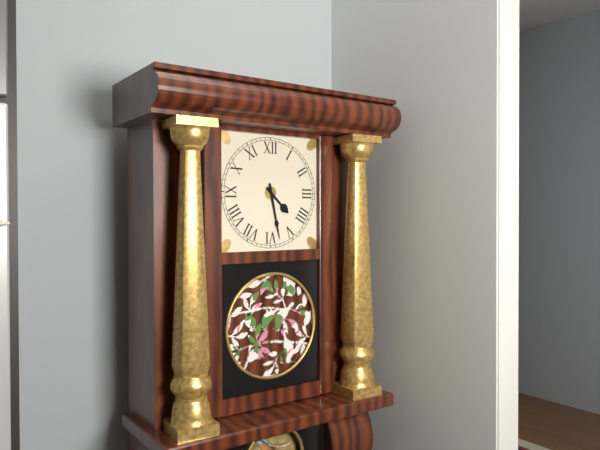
4:28
